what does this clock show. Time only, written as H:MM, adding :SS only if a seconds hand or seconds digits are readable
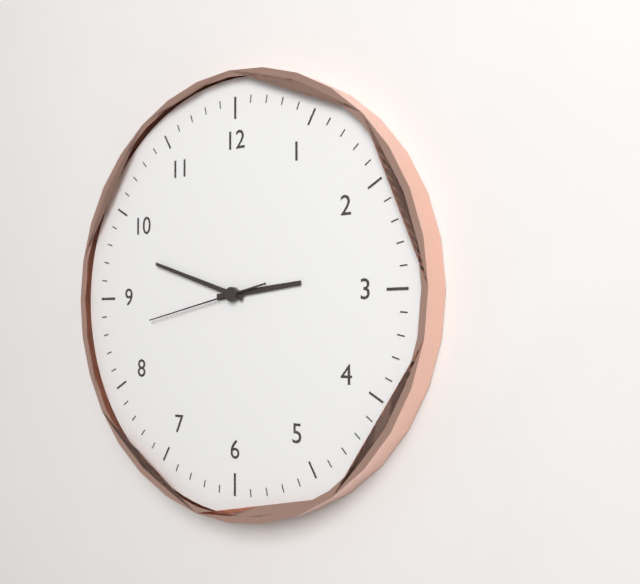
2:48:43
